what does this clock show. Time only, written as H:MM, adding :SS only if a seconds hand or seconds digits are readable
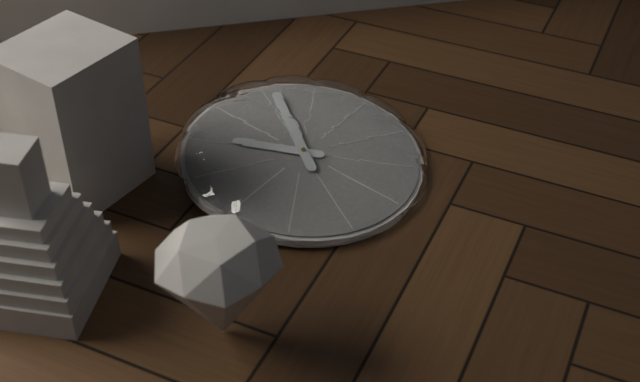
11:06
